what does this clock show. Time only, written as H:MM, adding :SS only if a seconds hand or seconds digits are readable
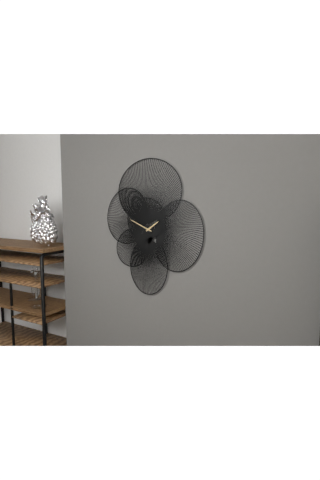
1:49
